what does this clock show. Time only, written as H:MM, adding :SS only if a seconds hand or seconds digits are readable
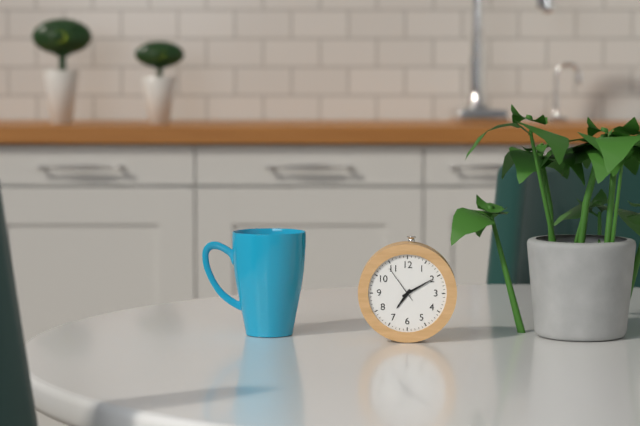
7:10
